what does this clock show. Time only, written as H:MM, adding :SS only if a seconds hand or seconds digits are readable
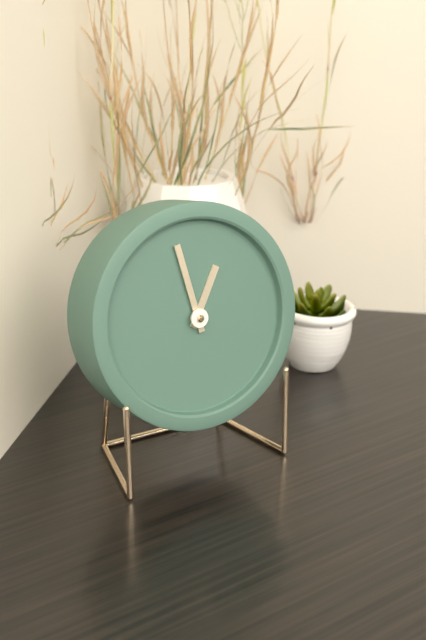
12:58
